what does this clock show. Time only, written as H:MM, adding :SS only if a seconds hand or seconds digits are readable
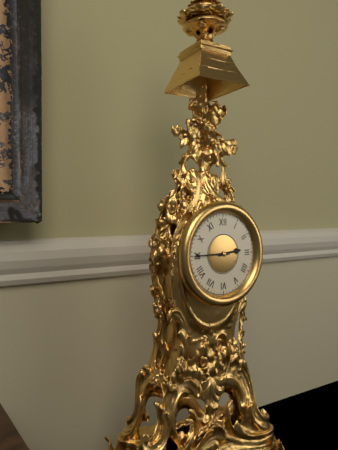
2:45
